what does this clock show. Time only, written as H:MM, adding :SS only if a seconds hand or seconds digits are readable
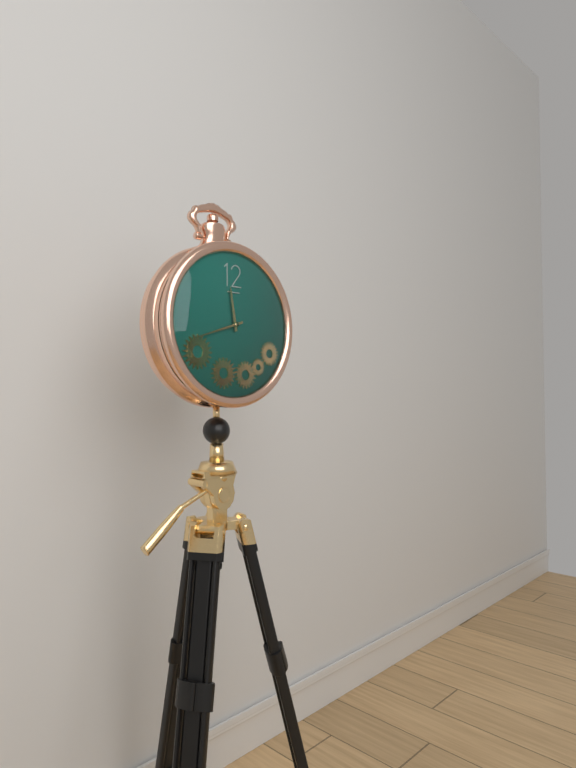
11:42
